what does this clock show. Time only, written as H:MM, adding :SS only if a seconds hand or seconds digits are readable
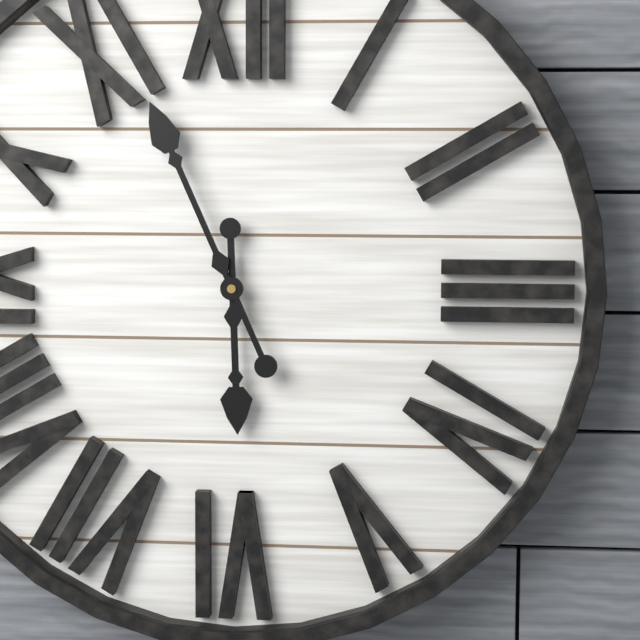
5:56
